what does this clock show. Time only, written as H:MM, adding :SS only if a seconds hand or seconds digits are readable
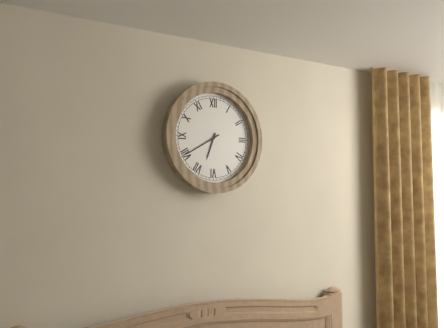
6:40
